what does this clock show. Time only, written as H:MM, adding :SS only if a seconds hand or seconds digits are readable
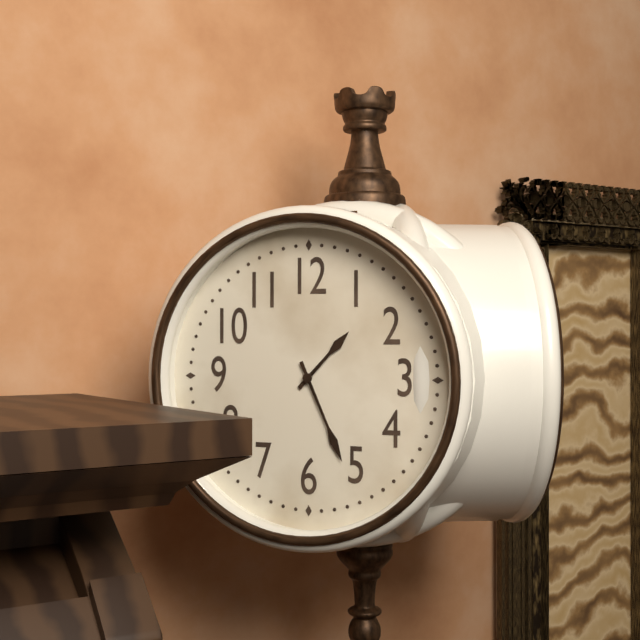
1:26
